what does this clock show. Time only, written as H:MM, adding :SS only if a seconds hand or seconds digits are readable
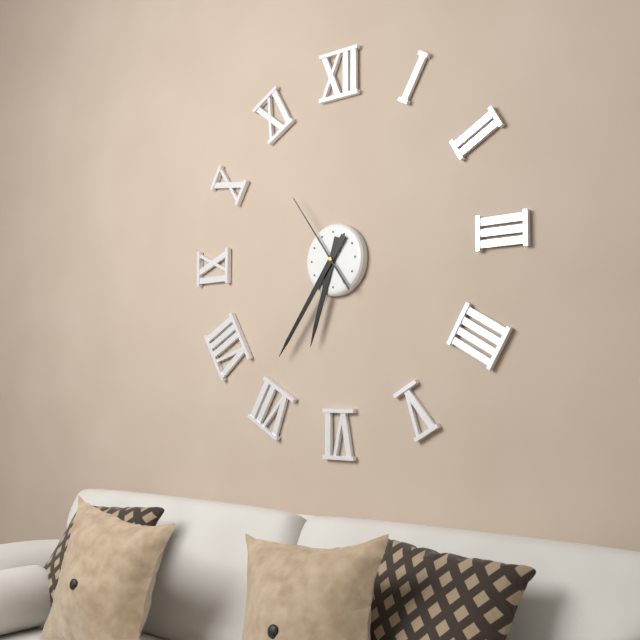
6:36:54
